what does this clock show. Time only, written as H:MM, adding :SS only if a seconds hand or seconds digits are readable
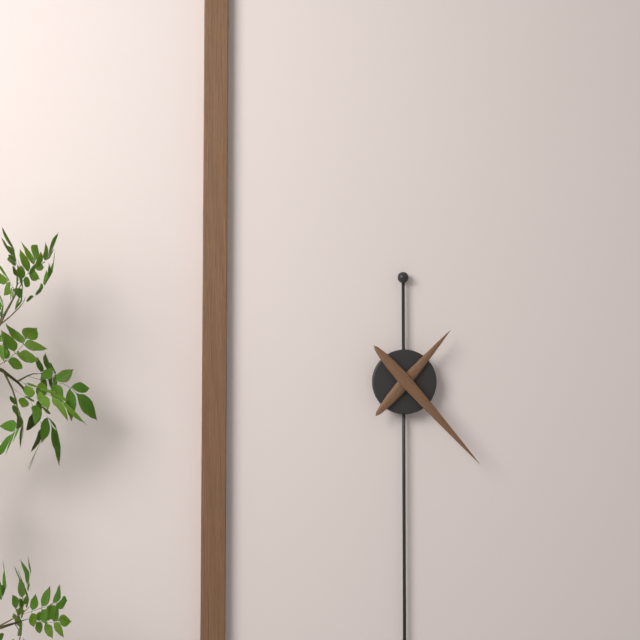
1:23
